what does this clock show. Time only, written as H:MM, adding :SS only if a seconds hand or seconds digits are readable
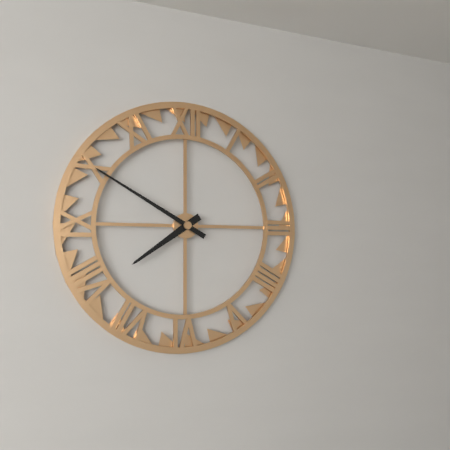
7:50
